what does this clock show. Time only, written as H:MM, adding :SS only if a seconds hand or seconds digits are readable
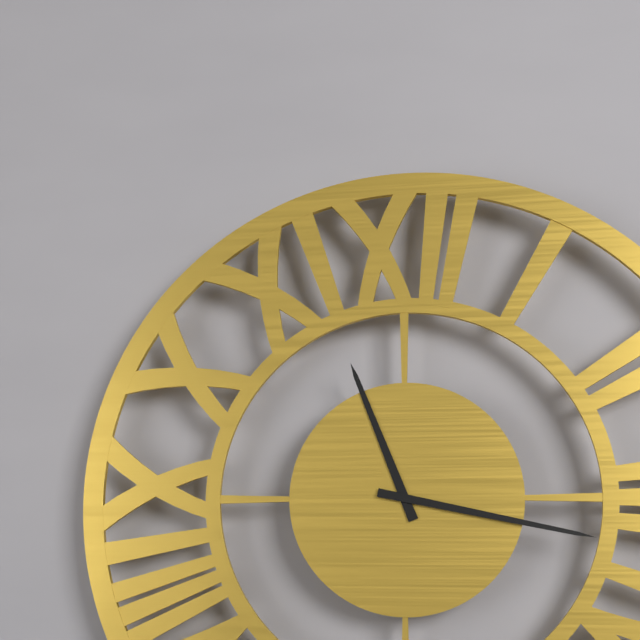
11:17
